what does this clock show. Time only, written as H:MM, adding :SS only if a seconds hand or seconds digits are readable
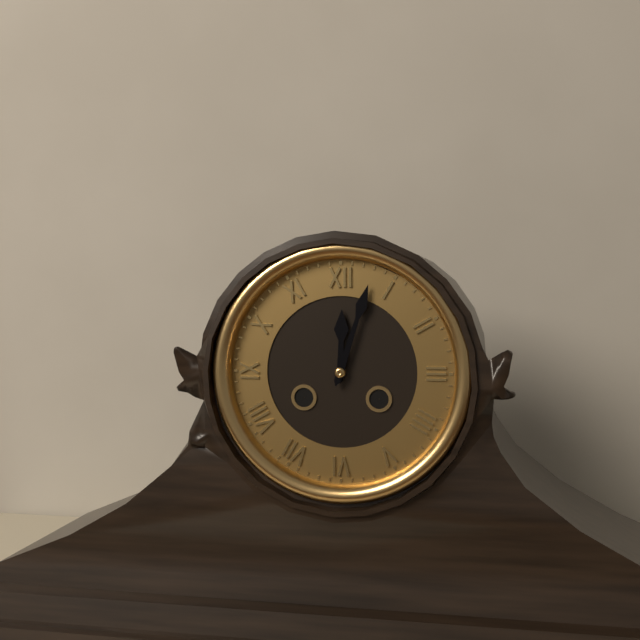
12:03
